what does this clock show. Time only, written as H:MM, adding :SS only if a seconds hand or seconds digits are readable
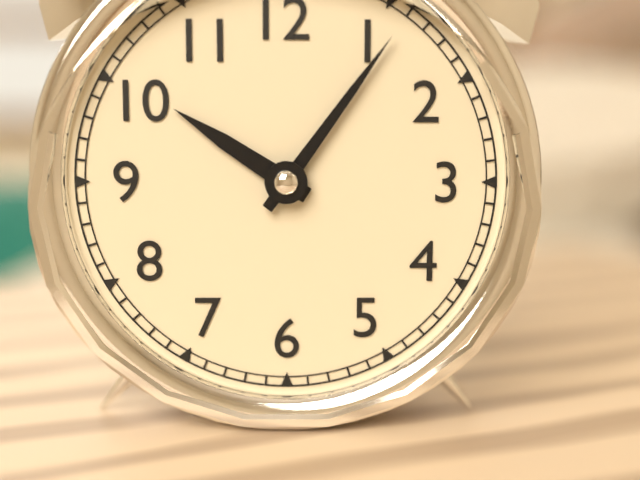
10:06
